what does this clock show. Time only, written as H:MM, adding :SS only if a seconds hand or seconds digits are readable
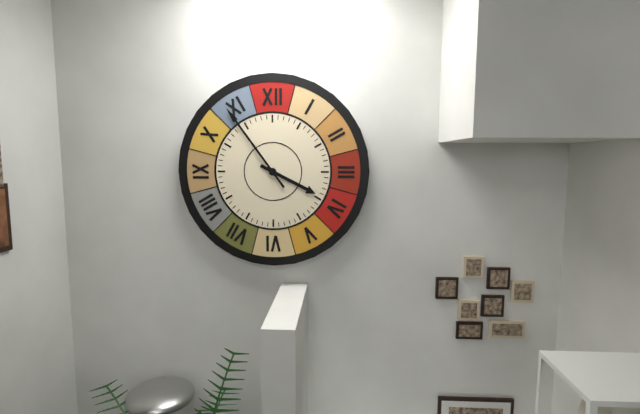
3:54
